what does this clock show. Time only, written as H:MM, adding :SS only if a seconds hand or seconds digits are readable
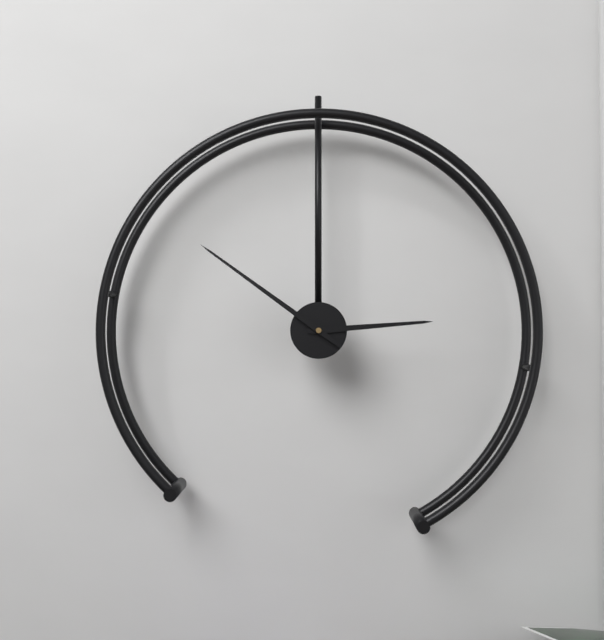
2:51
